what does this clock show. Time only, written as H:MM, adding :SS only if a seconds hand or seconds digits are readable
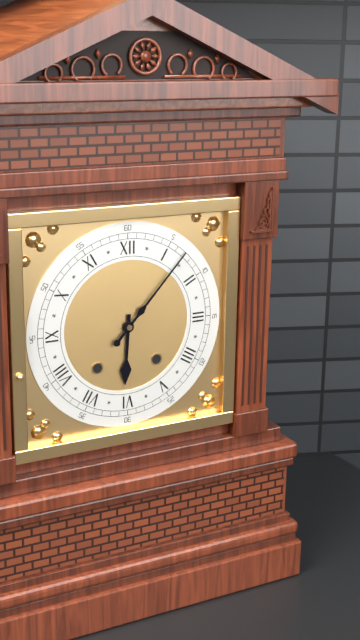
6:07
